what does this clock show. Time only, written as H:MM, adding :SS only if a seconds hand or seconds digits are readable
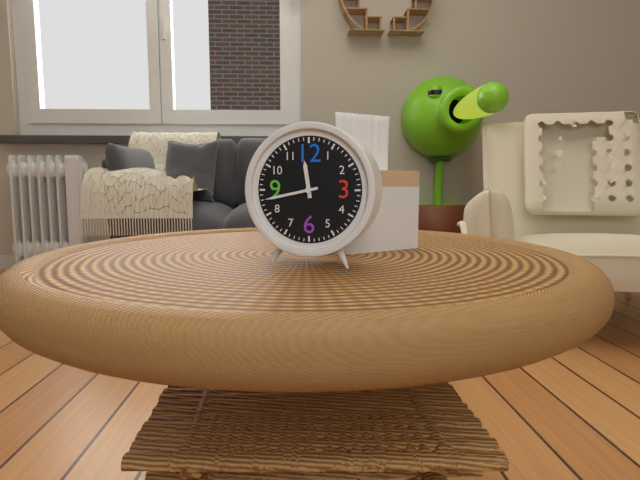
11:43
